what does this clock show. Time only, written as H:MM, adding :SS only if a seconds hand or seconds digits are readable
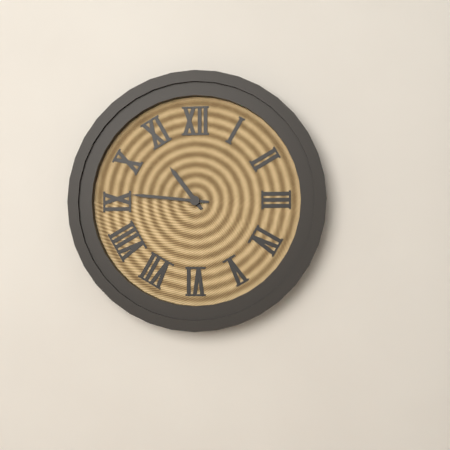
10:46
